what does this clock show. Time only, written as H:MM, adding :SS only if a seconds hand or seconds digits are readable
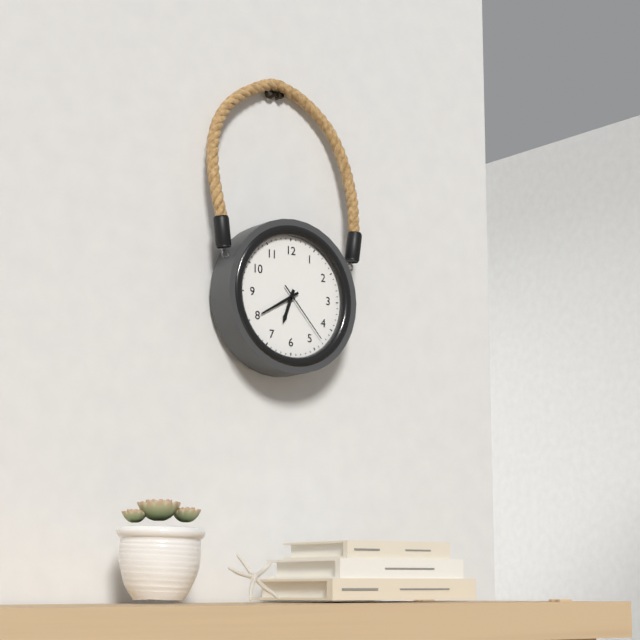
6:40:23
